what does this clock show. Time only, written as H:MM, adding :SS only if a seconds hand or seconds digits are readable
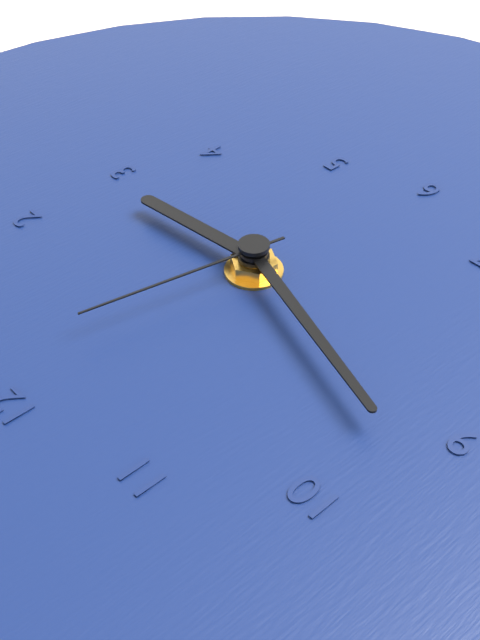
2:48:02
